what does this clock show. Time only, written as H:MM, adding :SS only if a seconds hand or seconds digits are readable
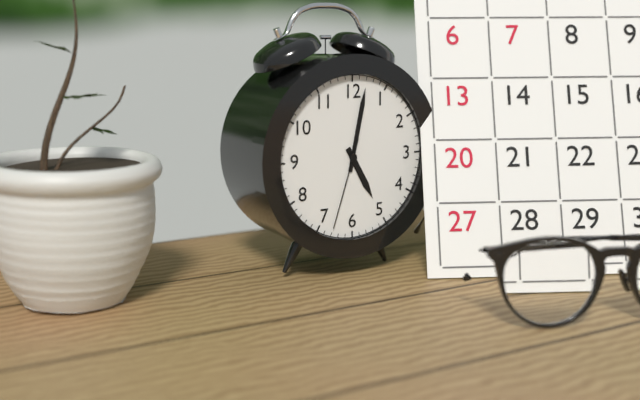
5:02:33
